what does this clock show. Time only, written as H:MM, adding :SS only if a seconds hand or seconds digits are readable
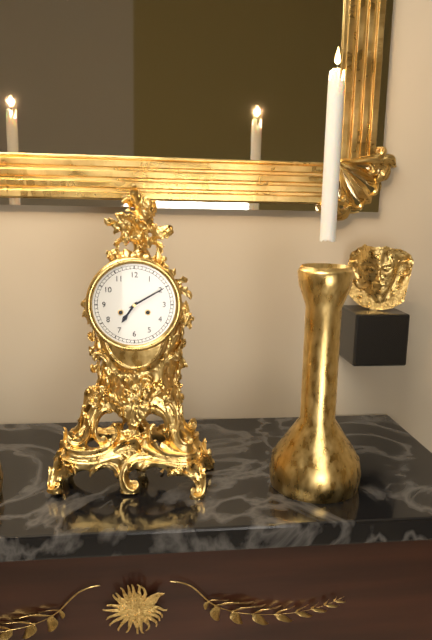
7:10
